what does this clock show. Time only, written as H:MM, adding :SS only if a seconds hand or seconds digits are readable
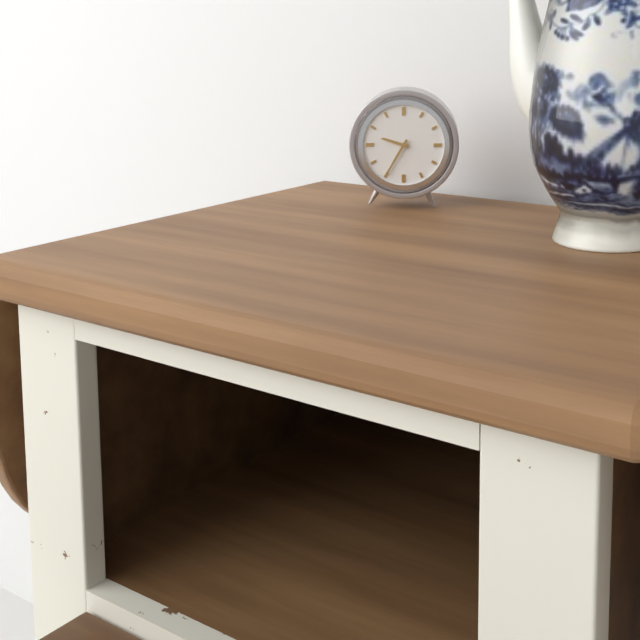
9:35
